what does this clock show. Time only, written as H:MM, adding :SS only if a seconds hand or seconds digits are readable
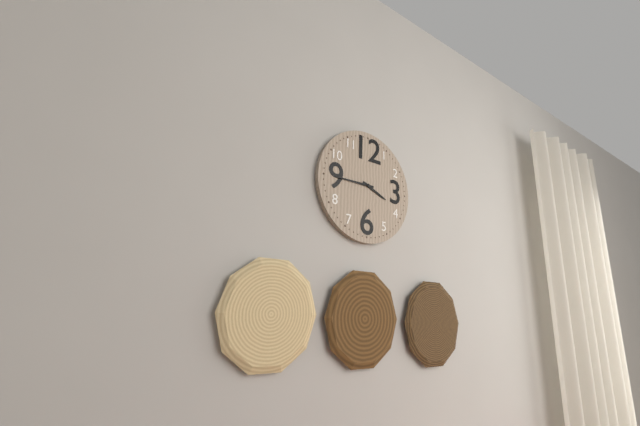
3:45
